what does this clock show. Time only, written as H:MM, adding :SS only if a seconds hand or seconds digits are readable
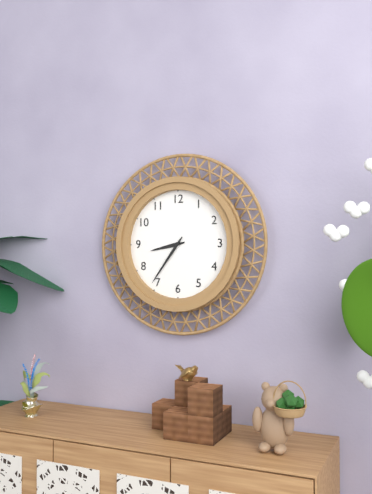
8:36
